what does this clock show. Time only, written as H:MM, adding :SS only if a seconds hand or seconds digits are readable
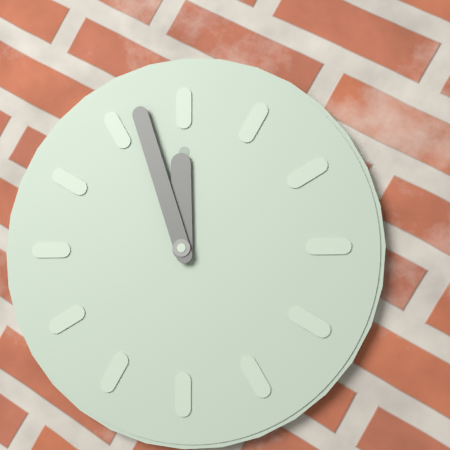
11:57
